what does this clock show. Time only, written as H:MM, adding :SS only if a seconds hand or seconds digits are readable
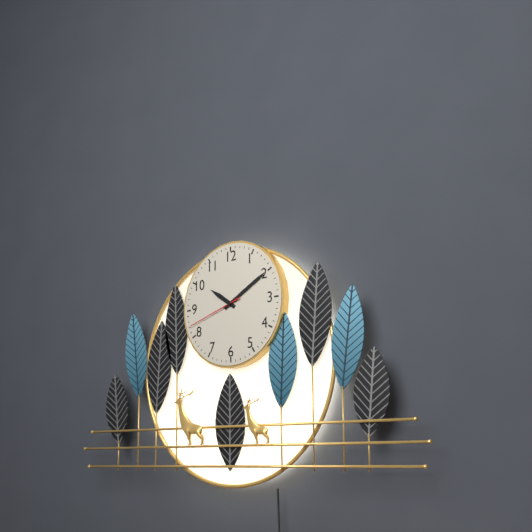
10:10:42
